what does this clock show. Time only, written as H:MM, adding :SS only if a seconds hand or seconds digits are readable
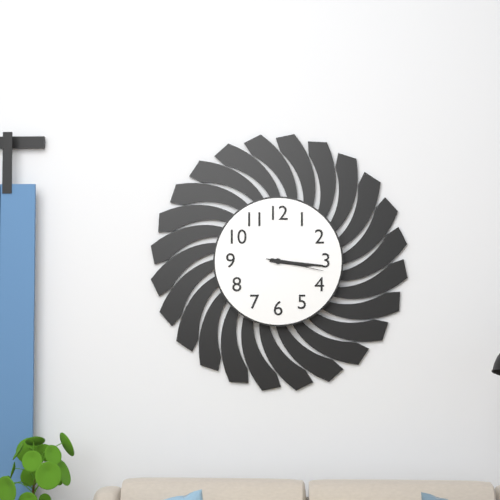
3:16:17
